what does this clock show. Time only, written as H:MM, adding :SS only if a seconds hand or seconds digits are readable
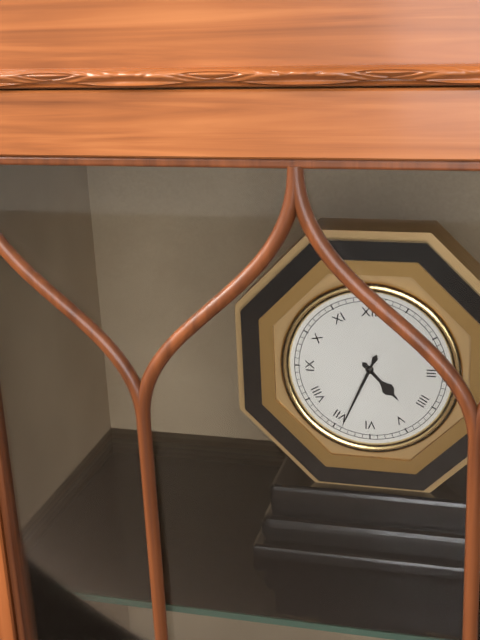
4:34
